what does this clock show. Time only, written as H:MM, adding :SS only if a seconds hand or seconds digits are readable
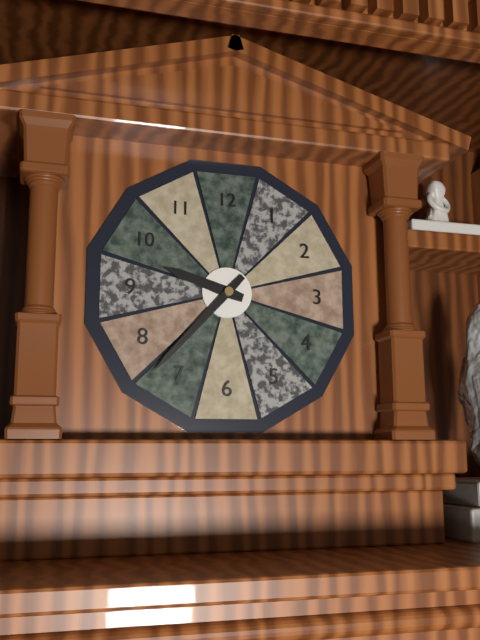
9:37
